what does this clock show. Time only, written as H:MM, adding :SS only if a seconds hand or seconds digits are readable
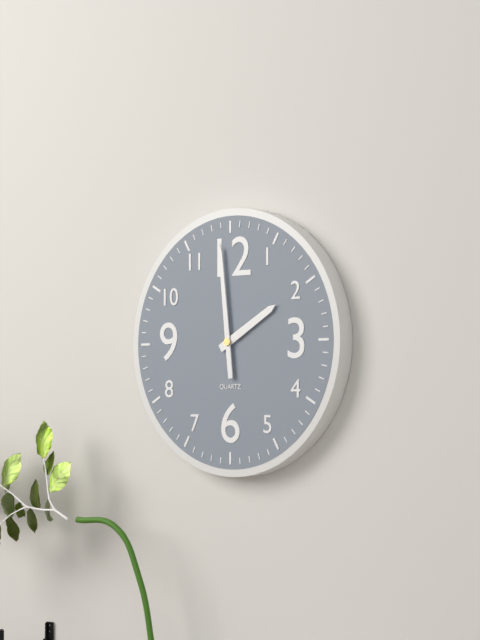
1:59
